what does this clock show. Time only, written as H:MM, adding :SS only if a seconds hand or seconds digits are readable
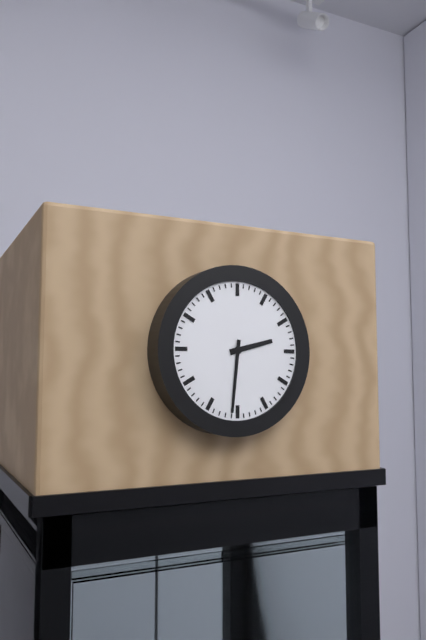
2:31
